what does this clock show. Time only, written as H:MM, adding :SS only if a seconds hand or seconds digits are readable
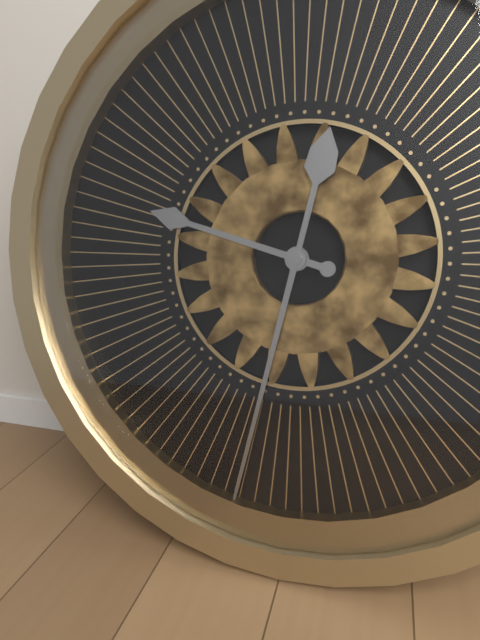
9:32
